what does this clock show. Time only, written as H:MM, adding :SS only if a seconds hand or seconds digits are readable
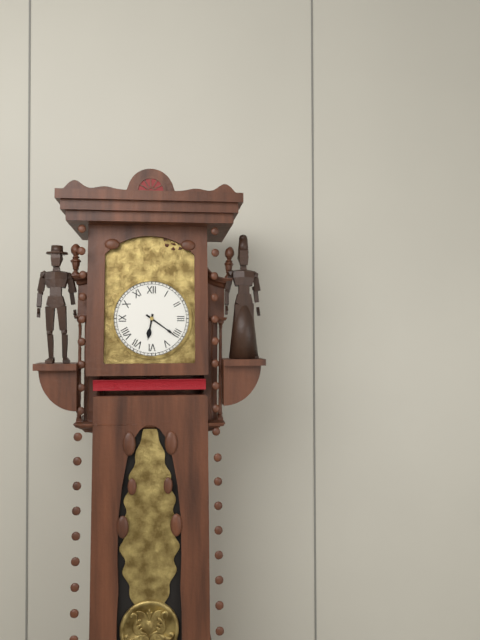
6:21
